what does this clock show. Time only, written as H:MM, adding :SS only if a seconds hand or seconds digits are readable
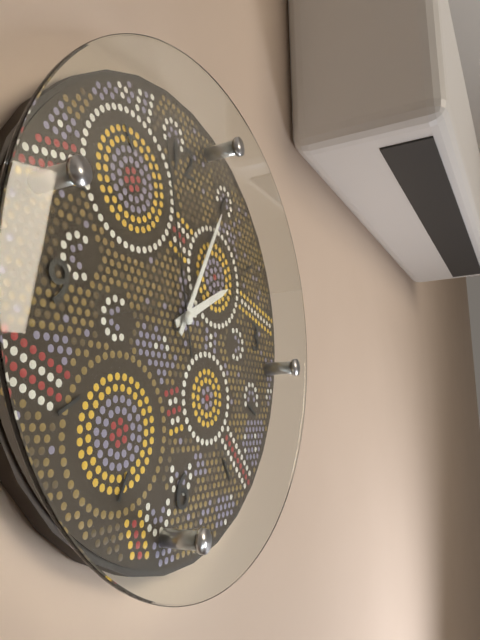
2:05:58
